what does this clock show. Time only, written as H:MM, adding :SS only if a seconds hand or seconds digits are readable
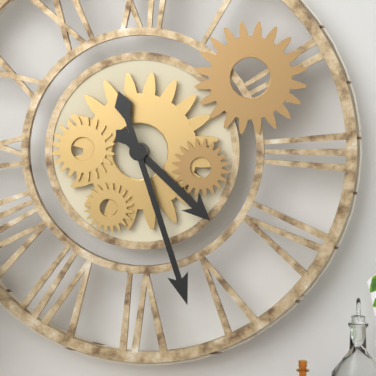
4:27
